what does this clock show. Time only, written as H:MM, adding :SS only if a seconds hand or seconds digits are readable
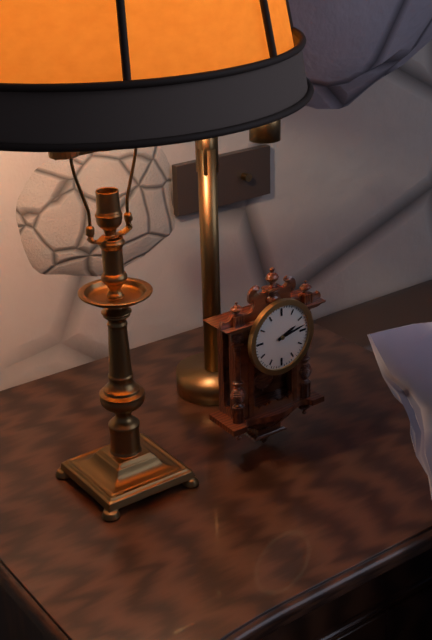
2:13
